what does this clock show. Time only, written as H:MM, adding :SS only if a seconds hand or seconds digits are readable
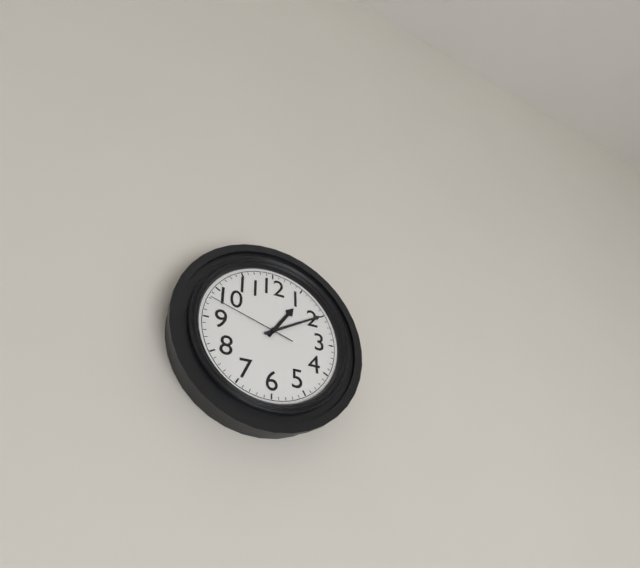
1:10:48
